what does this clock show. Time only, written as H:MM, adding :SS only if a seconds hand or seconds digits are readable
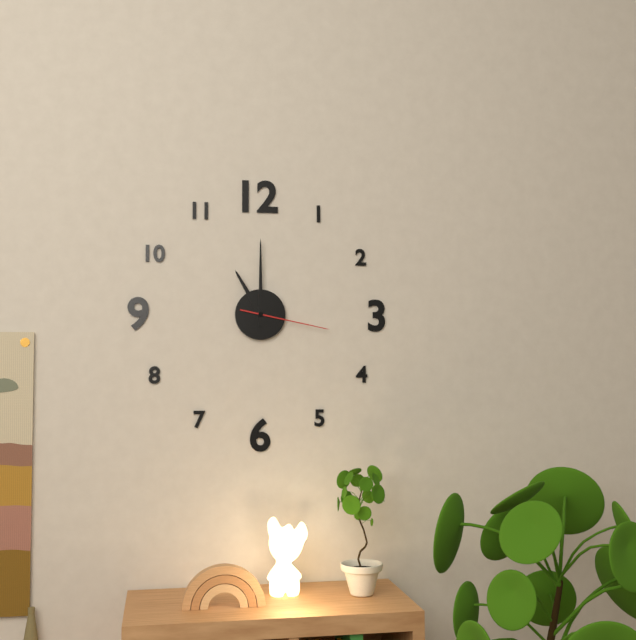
11:00:17
